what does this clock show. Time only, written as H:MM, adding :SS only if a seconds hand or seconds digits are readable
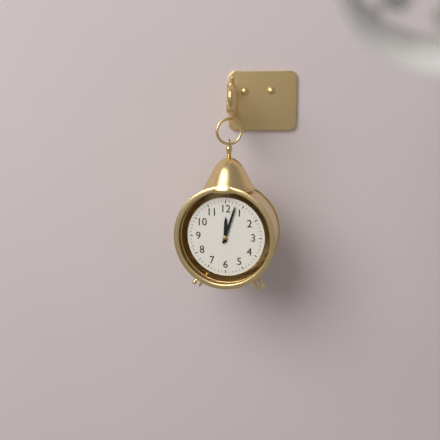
12:03
